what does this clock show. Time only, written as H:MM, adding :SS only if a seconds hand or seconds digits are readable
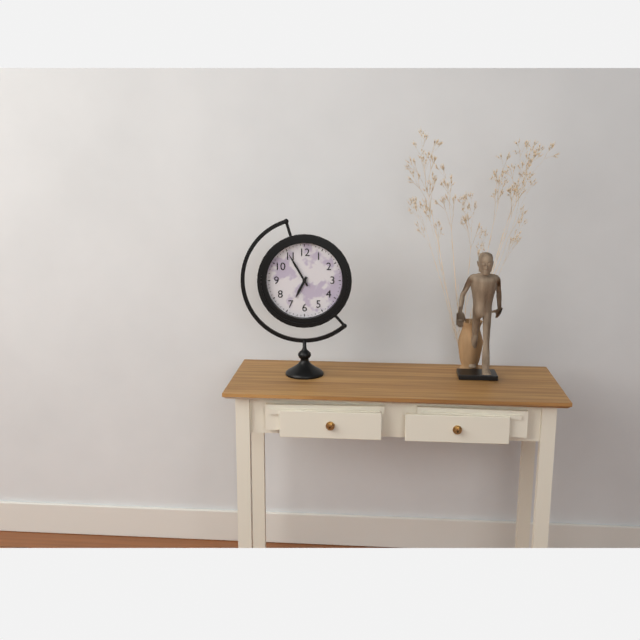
6:55
